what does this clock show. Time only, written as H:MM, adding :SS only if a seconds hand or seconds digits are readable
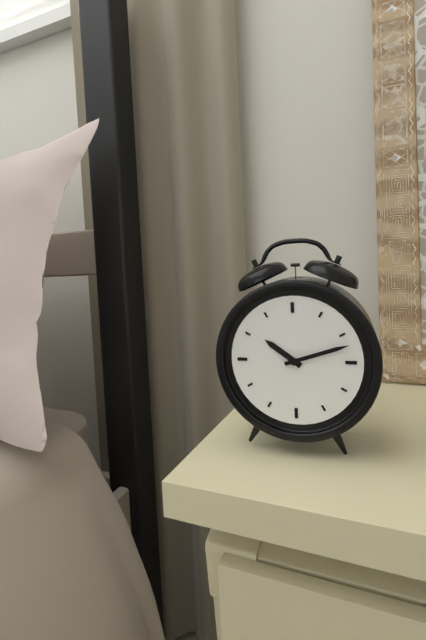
10:12
